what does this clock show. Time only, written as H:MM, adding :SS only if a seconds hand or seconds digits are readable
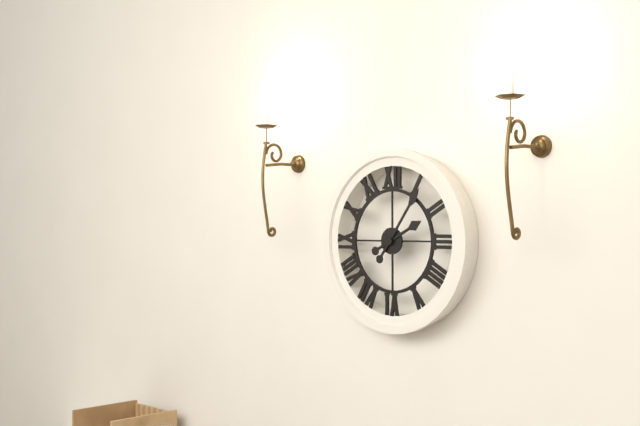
2:06
